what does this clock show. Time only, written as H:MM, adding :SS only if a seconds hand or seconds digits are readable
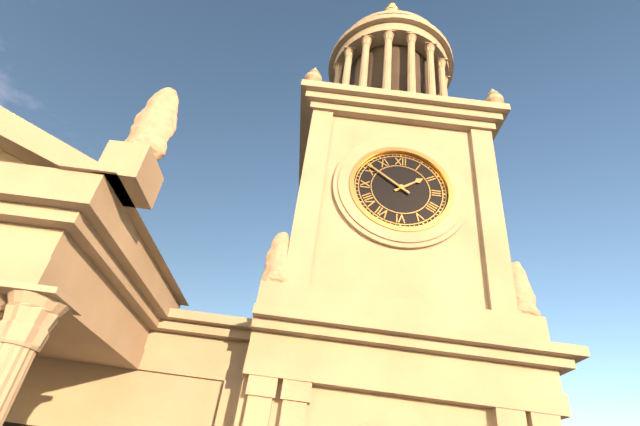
1:51
